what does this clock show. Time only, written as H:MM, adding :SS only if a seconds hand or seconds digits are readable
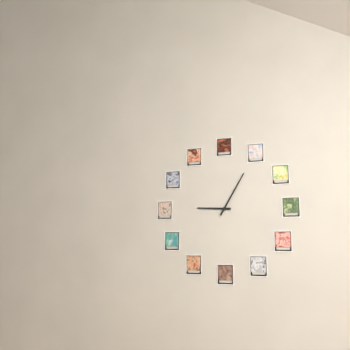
9:05
